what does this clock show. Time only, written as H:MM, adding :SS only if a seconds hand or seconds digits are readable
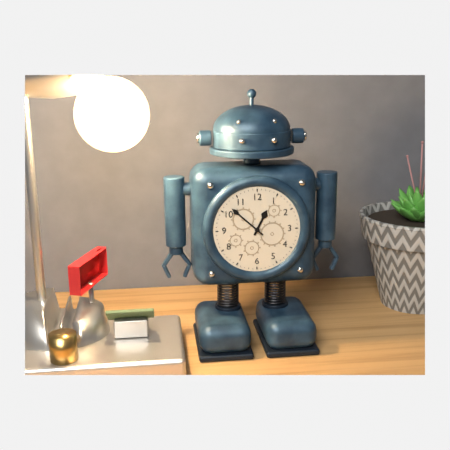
12:52
